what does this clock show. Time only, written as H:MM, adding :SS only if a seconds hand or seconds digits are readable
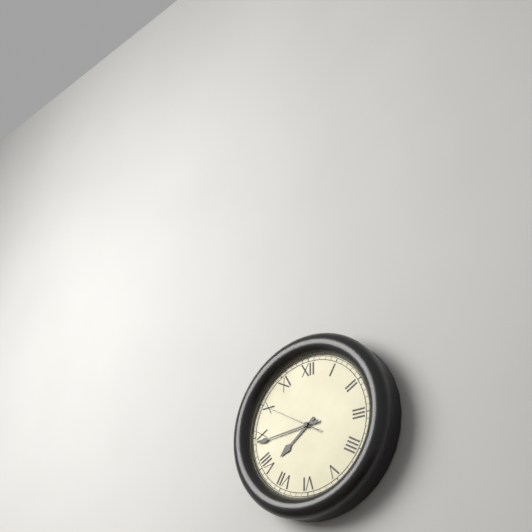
7:44:50
